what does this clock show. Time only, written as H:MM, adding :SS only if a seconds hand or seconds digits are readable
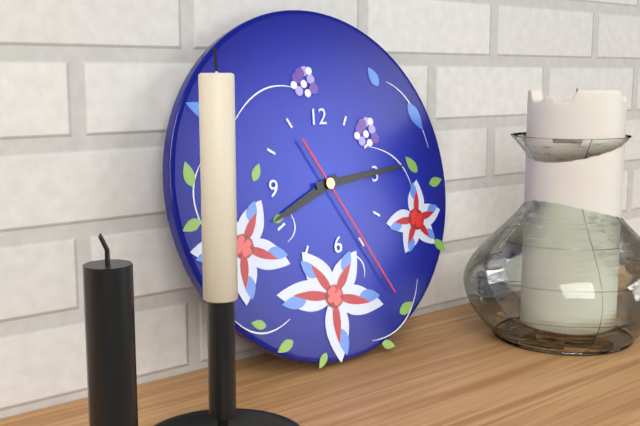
8:14:25
